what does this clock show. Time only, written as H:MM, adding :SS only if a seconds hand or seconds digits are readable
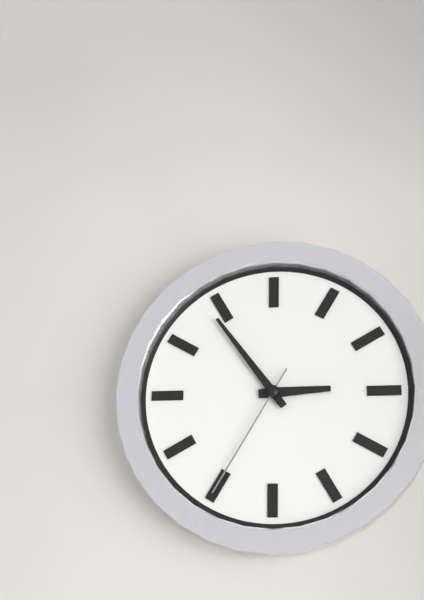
2:54:35
